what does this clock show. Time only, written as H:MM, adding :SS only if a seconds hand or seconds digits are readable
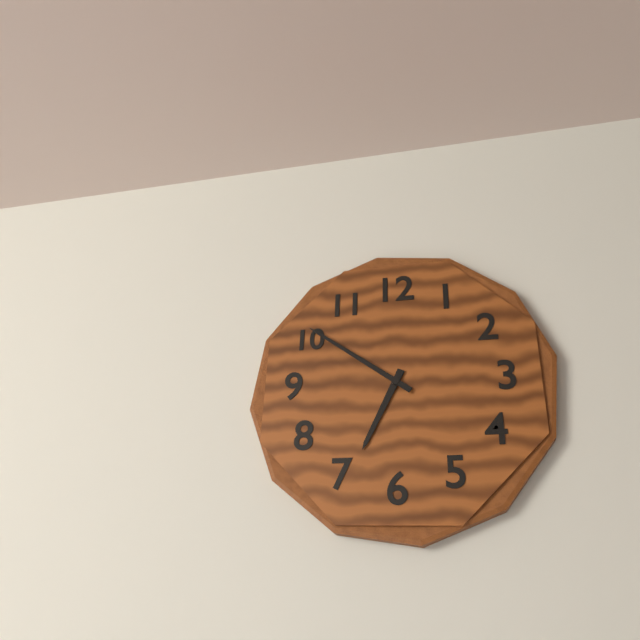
6:51
